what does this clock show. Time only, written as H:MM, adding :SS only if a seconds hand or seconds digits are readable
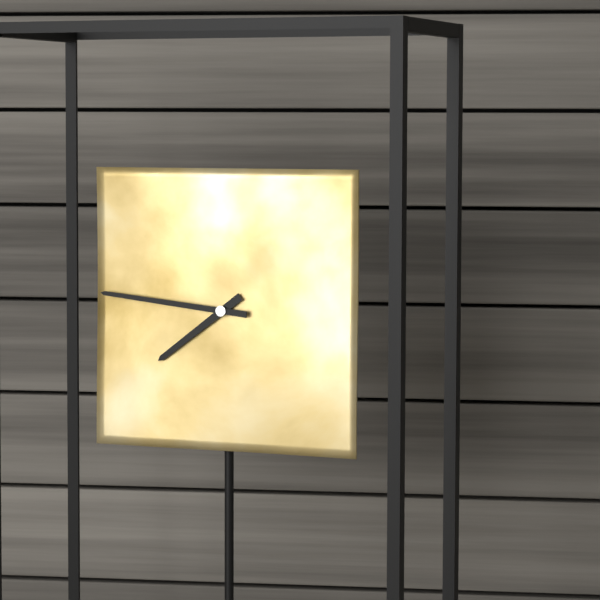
7:46
